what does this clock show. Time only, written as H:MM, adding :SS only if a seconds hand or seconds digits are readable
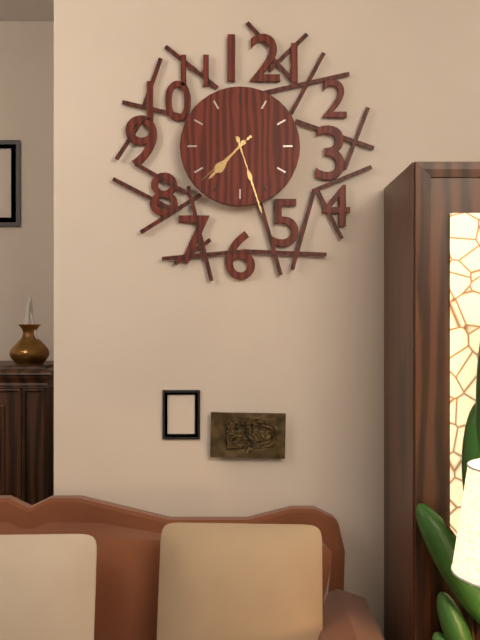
7:27:38
